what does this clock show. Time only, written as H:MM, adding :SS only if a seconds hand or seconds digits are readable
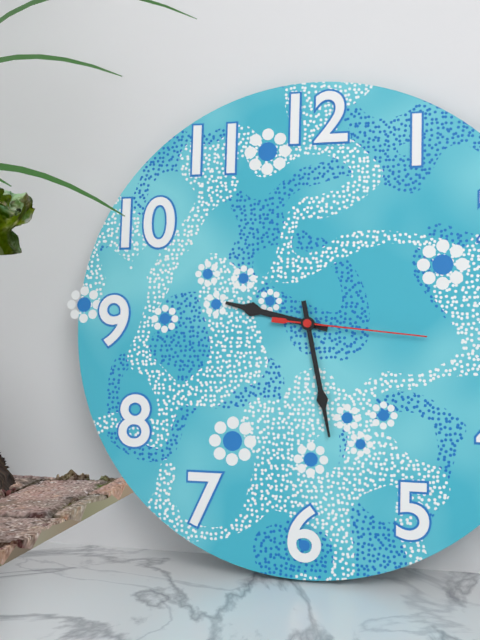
9:28:16
